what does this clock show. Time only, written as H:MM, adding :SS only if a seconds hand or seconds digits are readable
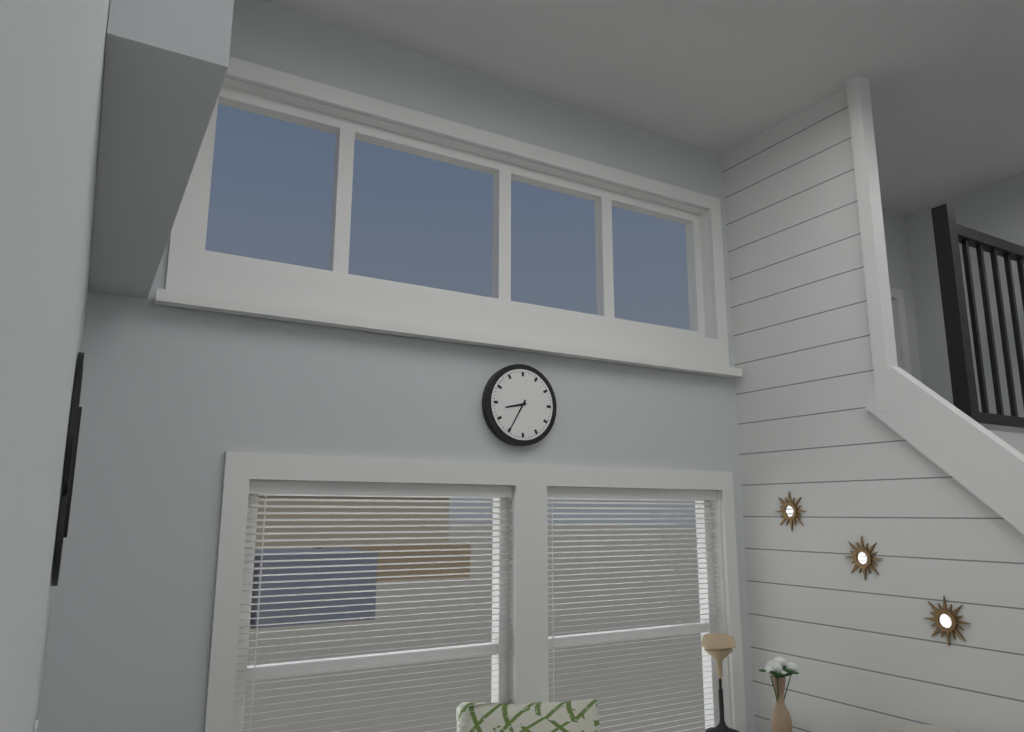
8:35
